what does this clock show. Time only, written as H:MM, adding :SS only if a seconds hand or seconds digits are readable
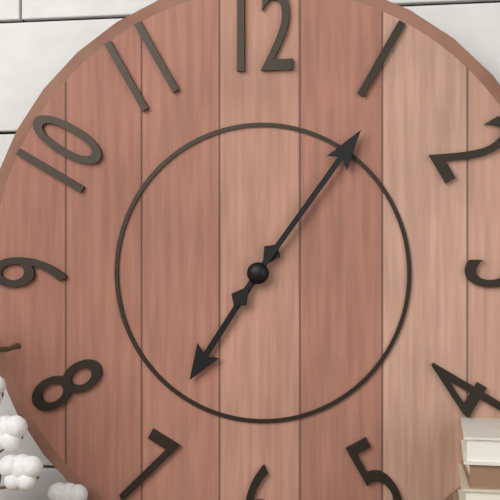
7:06
